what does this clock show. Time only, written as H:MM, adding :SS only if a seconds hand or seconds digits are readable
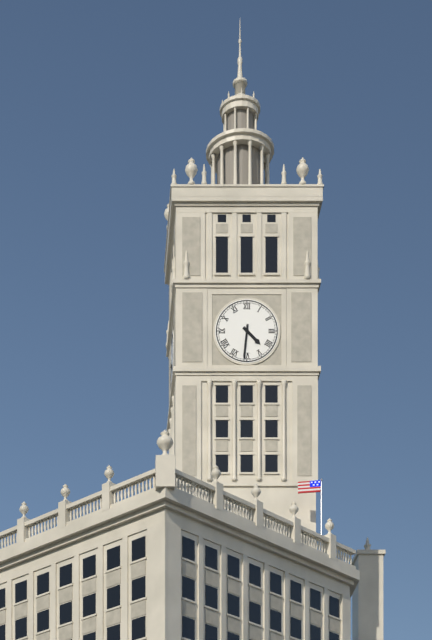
4:31
